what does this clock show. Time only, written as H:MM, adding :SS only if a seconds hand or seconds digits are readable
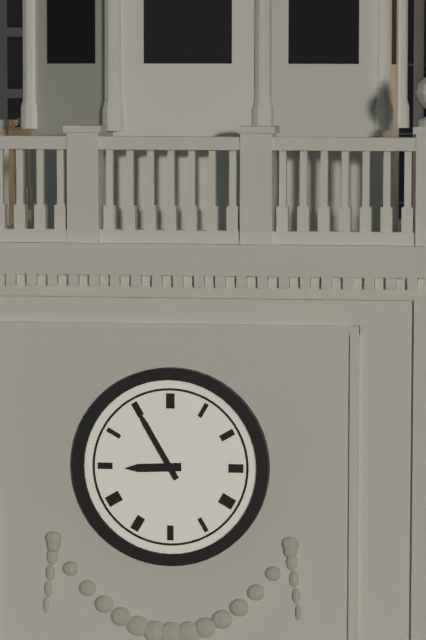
8:55
